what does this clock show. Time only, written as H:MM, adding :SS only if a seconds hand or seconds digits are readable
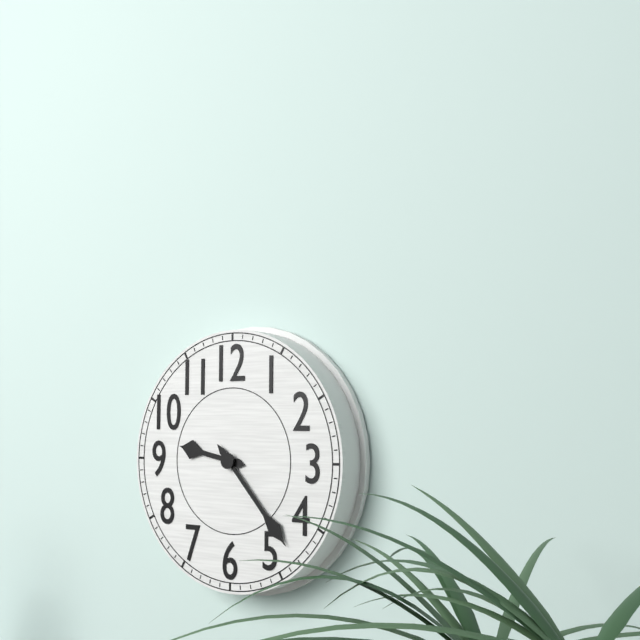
9:23
